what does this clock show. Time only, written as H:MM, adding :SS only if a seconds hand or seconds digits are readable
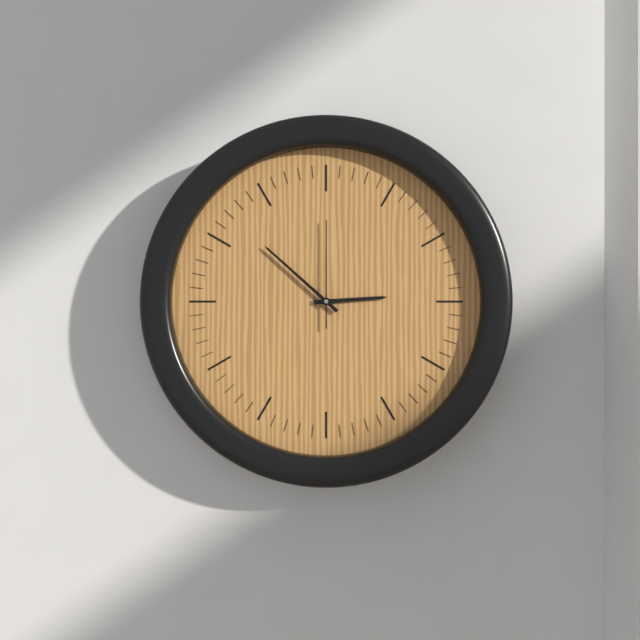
2:52:00
